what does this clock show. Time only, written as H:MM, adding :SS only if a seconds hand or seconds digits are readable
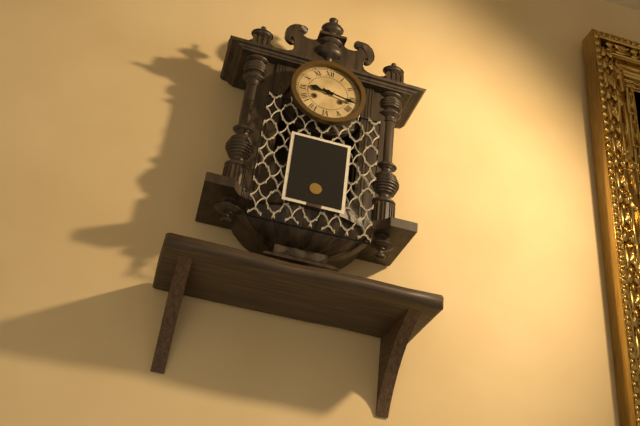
9:17
